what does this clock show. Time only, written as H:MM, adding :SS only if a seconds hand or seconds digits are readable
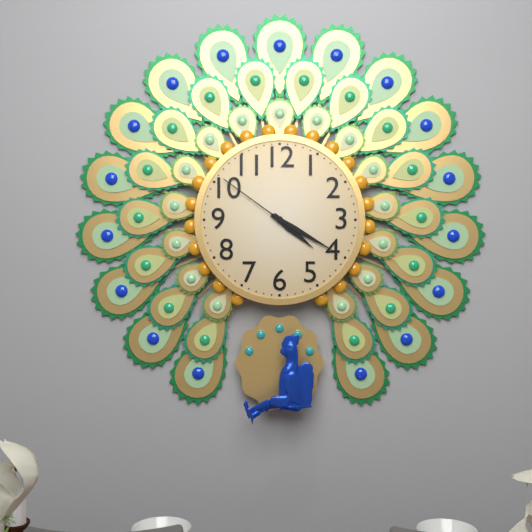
4:20:51
